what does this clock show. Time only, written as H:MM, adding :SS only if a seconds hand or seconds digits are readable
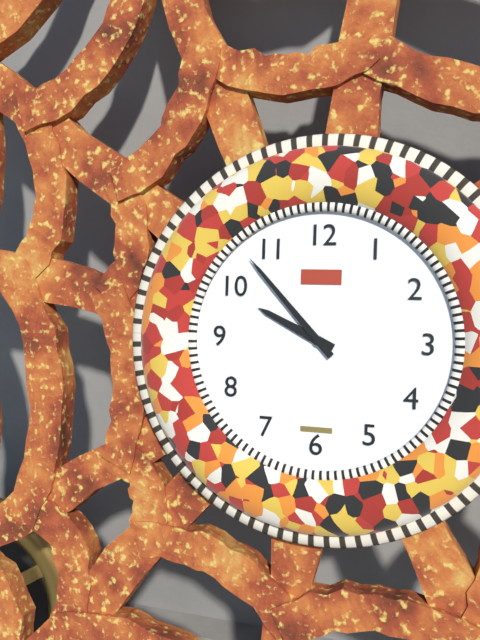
9:53
